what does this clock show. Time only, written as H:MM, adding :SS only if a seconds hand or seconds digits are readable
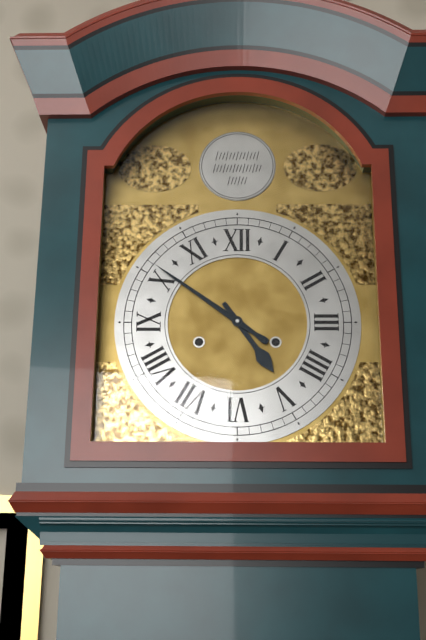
4:51
